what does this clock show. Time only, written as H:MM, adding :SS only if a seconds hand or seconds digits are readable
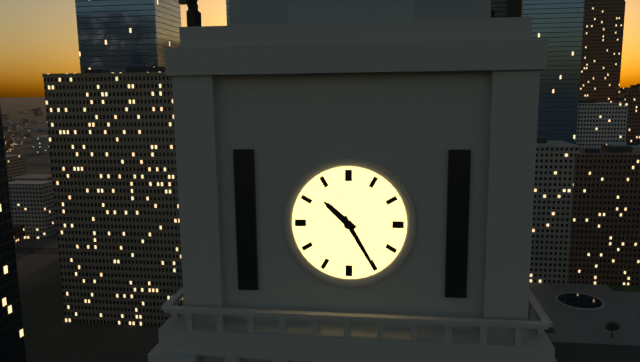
10:25
